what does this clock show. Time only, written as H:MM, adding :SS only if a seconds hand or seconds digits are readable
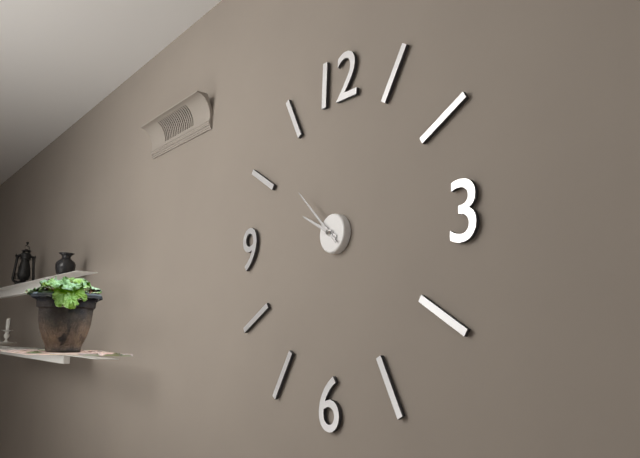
9:52
